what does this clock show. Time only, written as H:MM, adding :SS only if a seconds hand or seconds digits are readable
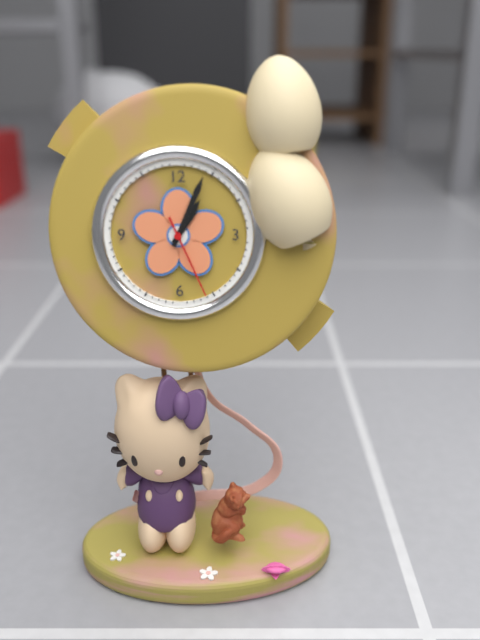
1:04:26
